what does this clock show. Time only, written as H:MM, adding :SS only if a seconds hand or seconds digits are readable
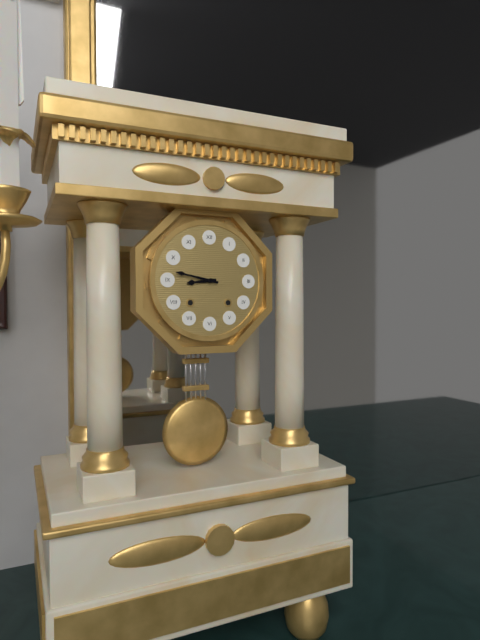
8:47
